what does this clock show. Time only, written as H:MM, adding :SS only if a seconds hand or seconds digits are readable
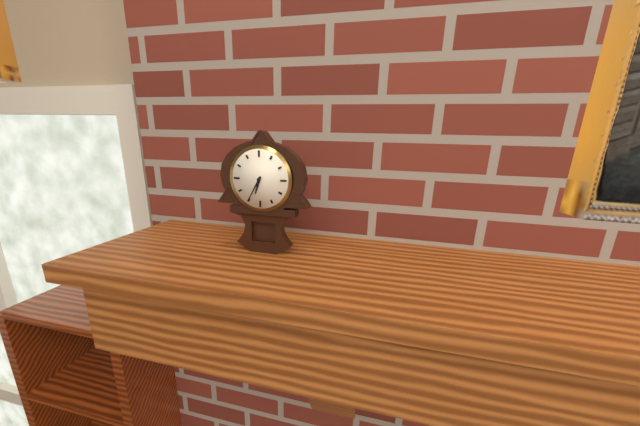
6:35
